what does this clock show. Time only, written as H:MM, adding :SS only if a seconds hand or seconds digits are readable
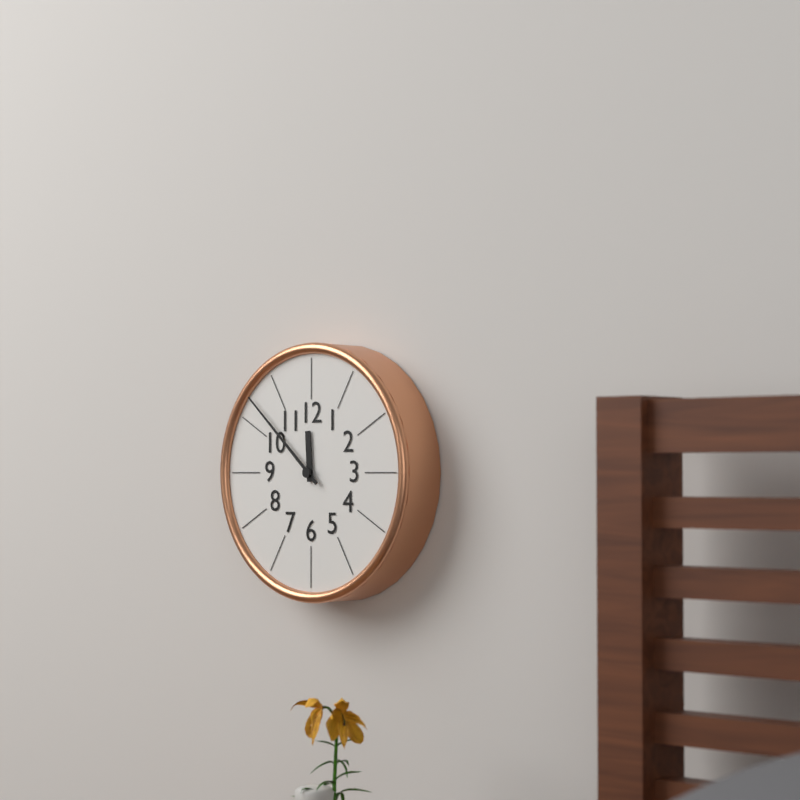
11:52
